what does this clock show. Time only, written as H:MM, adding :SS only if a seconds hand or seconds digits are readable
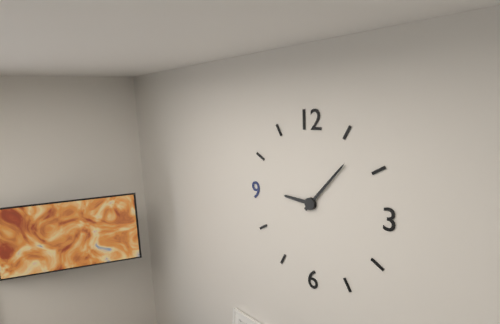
9:07
